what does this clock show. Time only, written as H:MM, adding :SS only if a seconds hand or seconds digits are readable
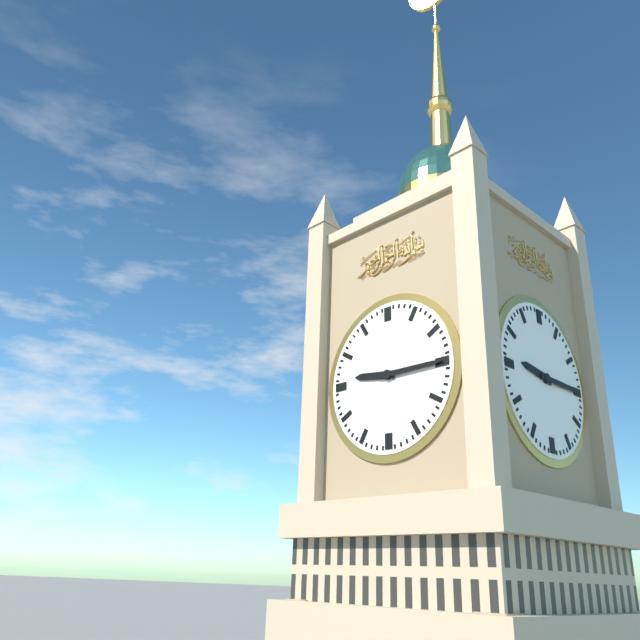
9:15
